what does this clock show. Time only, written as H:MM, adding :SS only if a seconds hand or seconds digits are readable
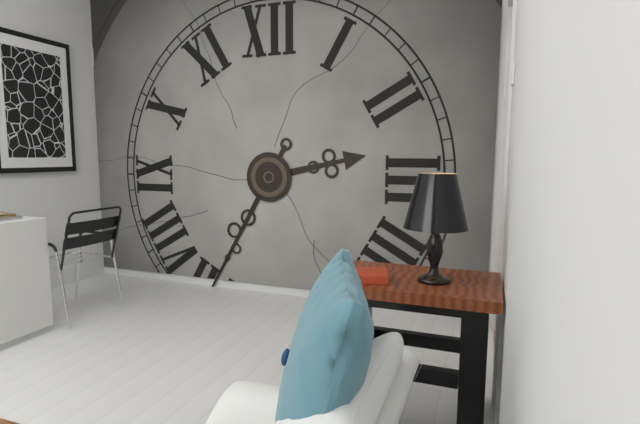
2:35
